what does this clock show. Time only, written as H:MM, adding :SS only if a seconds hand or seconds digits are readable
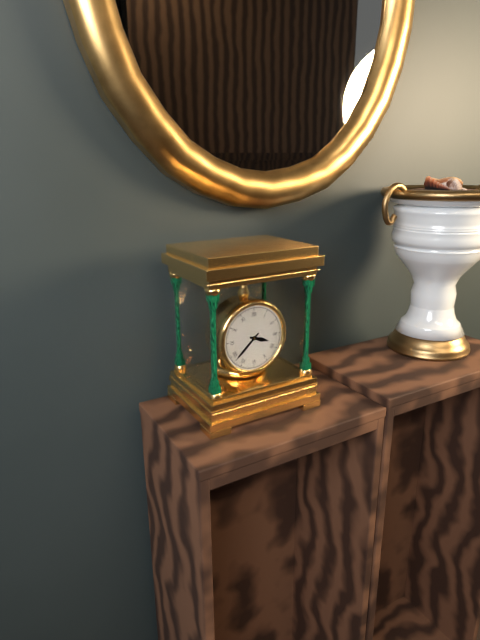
3:38
